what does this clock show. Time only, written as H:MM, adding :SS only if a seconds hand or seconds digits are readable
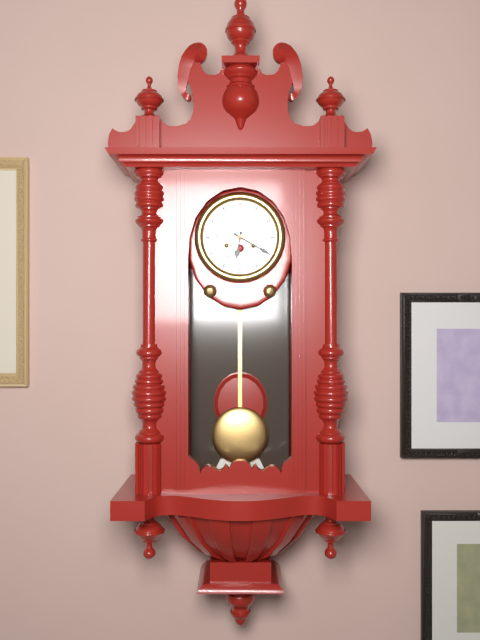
6:20
